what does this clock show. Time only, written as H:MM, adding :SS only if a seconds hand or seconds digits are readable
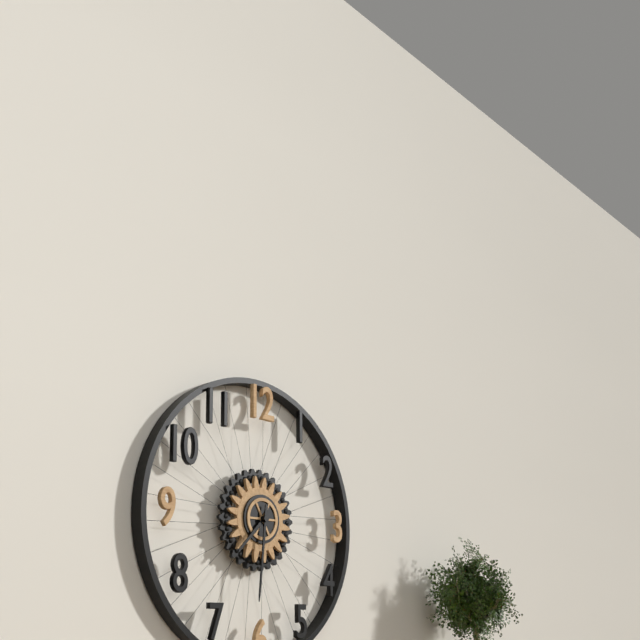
7:31
